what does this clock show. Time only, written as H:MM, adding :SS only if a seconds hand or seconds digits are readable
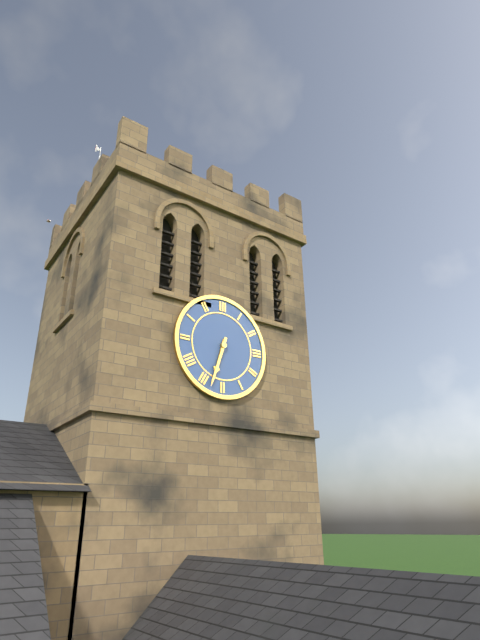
6:33
